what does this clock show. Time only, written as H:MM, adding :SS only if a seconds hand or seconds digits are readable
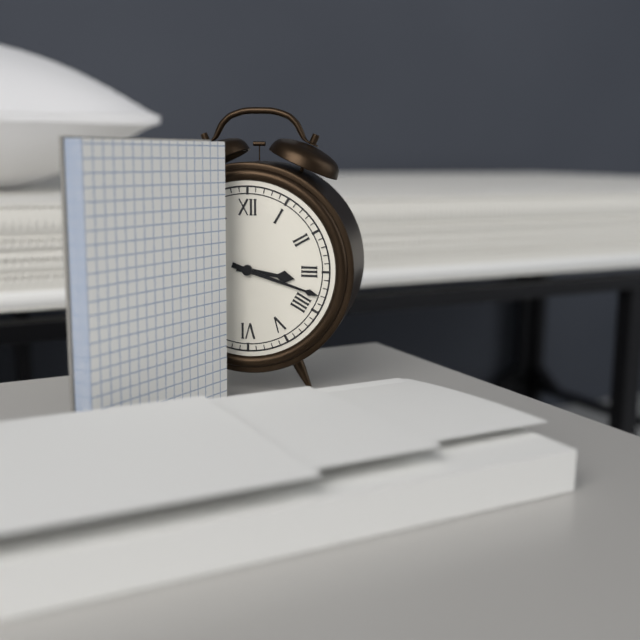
3:18
